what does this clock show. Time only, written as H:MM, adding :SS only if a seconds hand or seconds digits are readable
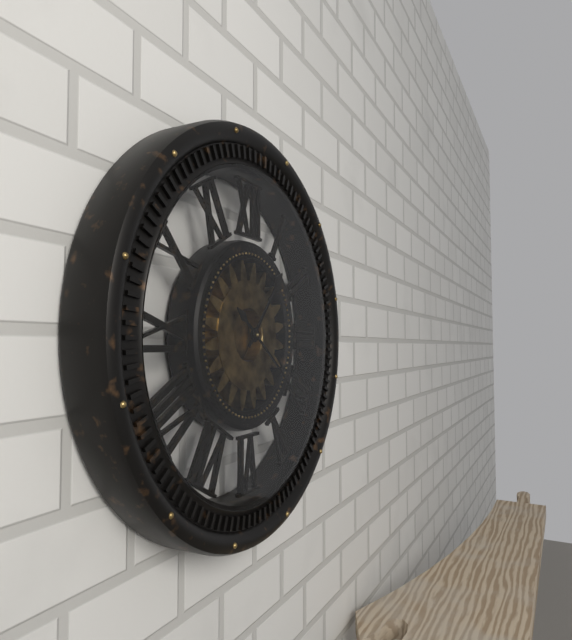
1:21
